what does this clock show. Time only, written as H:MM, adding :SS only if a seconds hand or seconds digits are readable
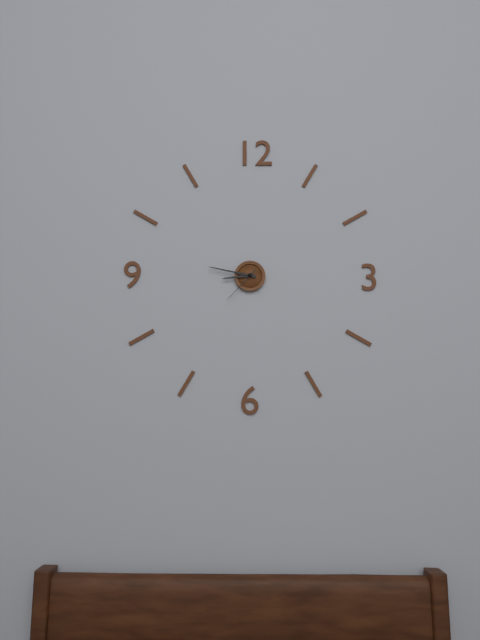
8:47
